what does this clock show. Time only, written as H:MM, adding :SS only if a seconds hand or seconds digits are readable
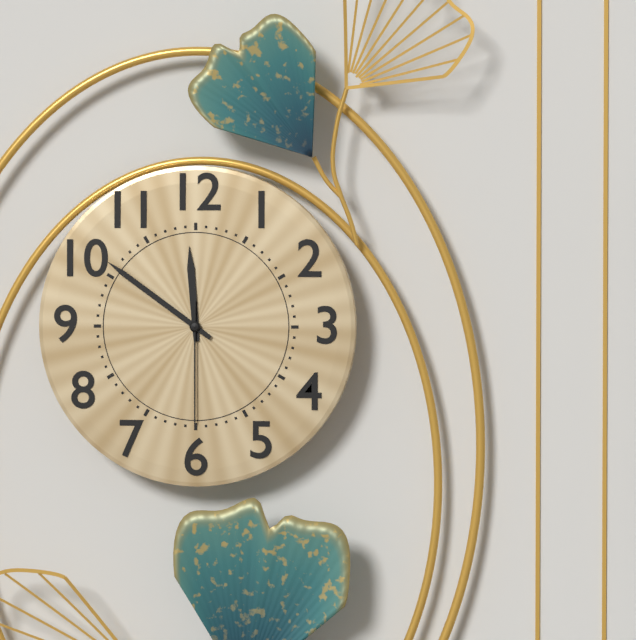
11:51:30
